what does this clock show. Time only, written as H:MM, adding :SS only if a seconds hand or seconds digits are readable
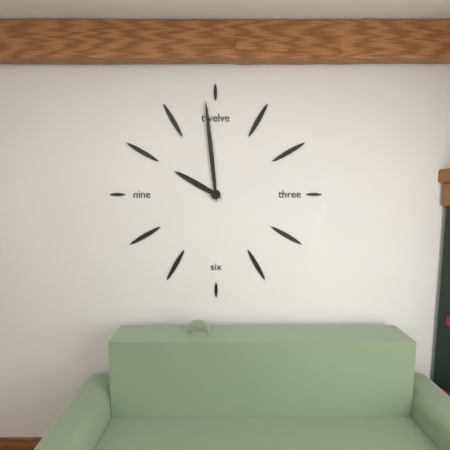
9:59
